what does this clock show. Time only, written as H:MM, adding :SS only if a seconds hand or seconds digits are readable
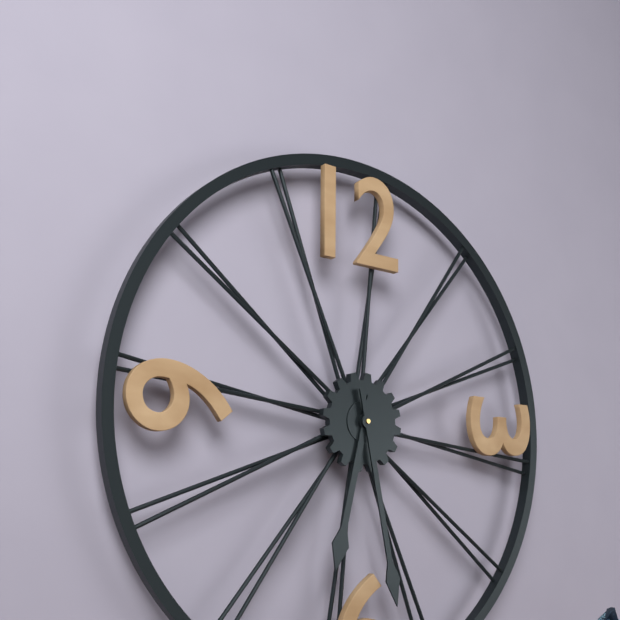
6:28
